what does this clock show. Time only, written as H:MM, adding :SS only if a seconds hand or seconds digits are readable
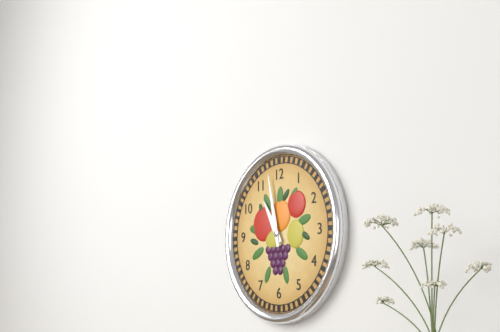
10:58
